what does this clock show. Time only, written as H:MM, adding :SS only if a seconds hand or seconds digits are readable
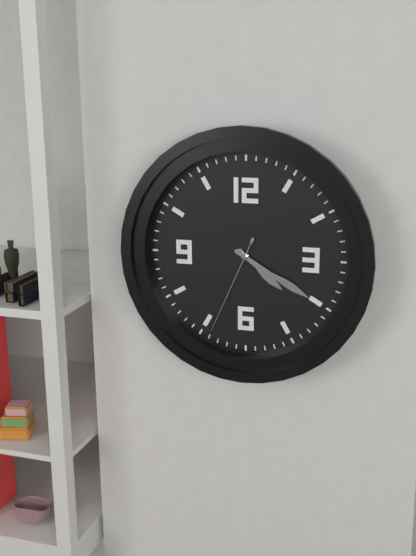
4:20:34
